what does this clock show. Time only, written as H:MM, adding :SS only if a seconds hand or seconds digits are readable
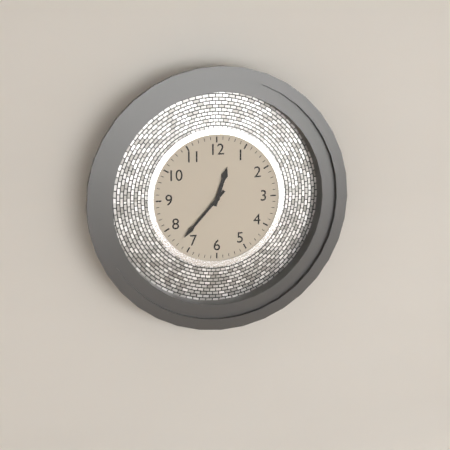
12:37
